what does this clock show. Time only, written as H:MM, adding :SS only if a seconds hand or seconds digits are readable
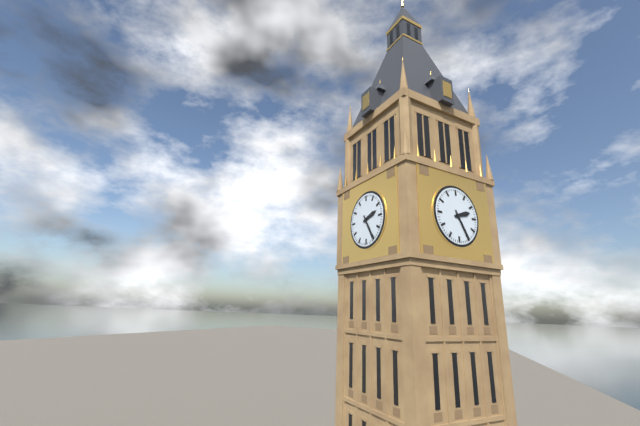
2:25
